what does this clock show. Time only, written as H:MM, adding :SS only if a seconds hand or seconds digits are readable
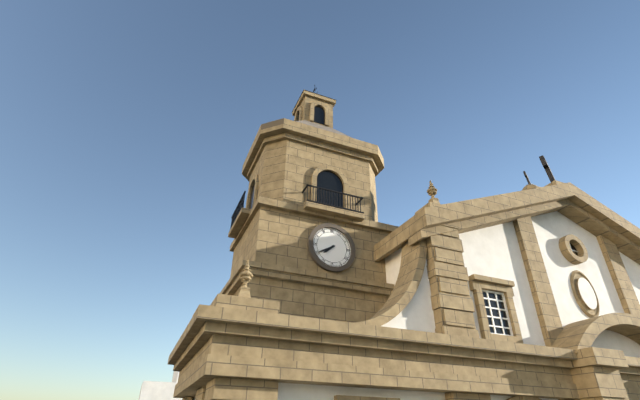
7:40
